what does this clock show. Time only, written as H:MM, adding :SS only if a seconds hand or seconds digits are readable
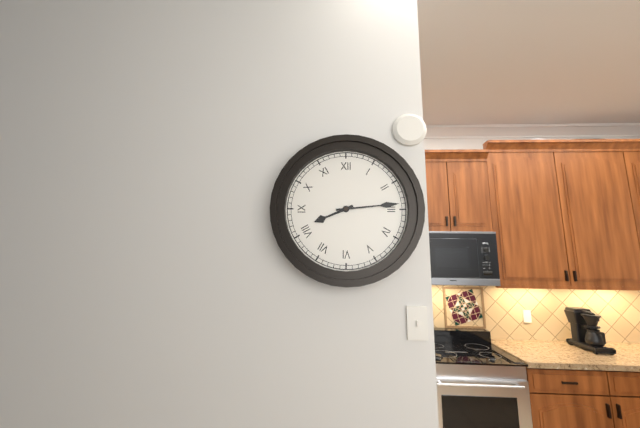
8:14
